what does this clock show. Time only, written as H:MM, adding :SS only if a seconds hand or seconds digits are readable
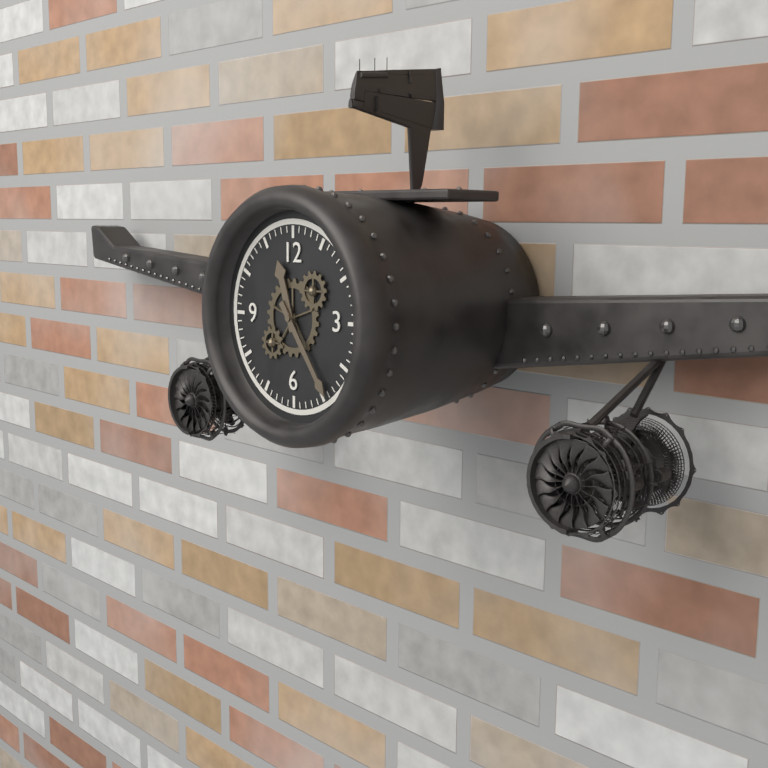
11:24
